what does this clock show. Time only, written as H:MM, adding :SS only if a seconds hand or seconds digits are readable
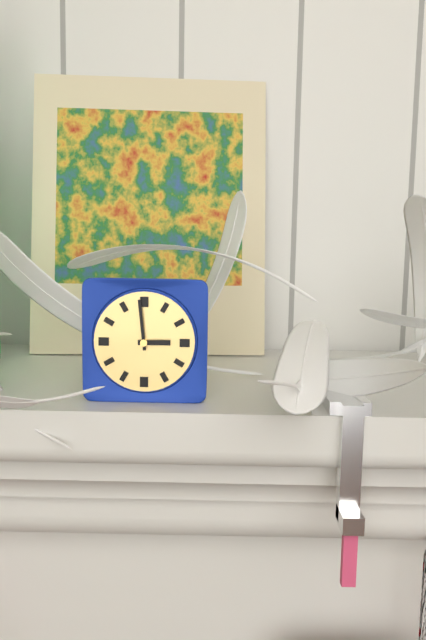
2:59
